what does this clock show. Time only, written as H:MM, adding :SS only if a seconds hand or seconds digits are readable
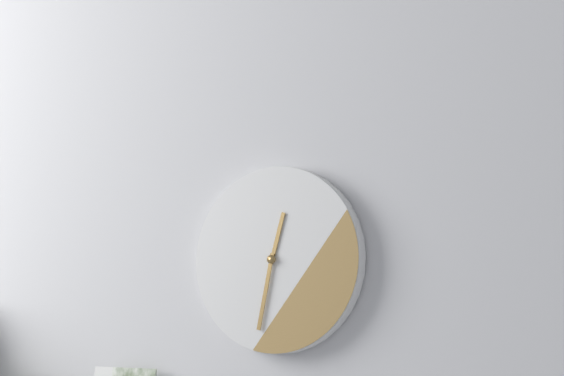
12:32
